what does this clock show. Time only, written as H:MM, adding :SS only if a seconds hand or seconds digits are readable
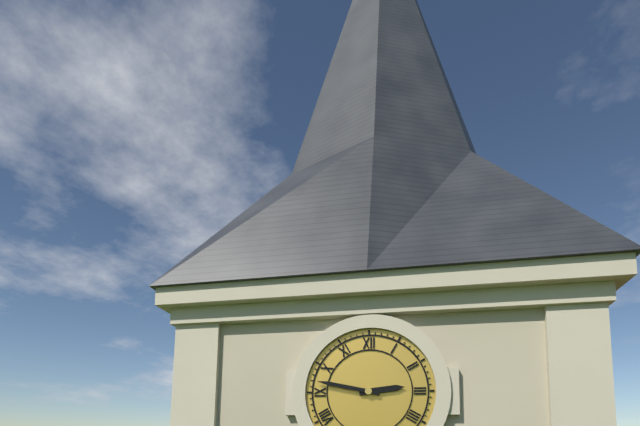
2:47
